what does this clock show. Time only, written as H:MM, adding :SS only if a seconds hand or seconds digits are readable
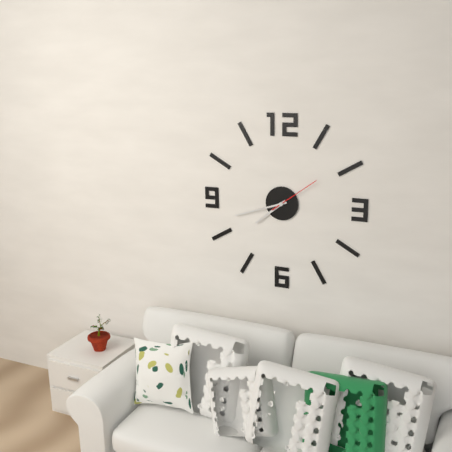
7:42:09
